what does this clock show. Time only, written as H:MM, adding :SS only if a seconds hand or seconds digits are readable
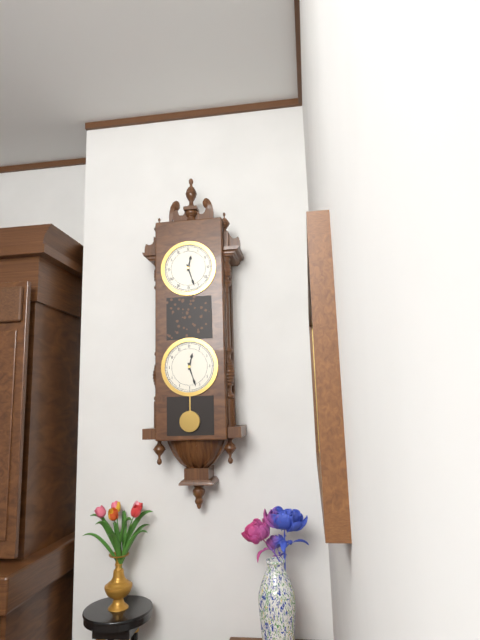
12:27
